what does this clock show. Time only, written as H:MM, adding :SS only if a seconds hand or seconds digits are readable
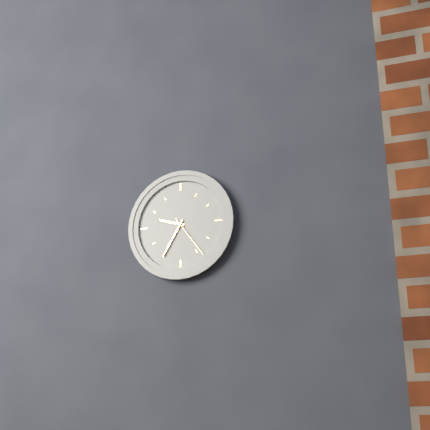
9:35
